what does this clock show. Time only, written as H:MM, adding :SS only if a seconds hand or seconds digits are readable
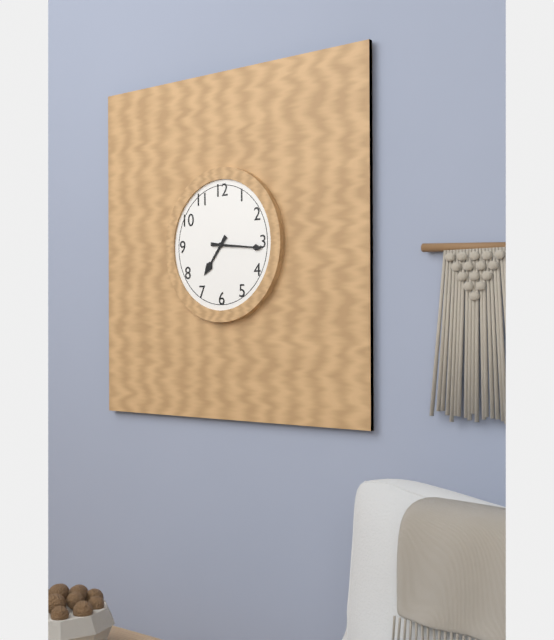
7:16
